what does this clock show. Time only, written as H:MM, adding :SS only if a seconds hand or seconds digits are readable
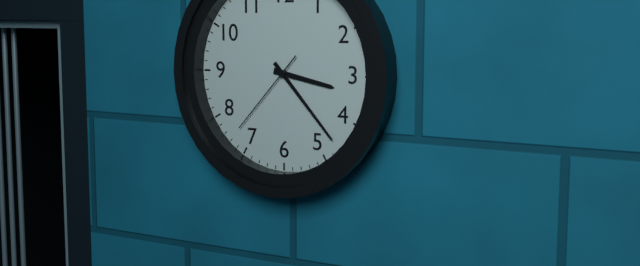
3:23:37
